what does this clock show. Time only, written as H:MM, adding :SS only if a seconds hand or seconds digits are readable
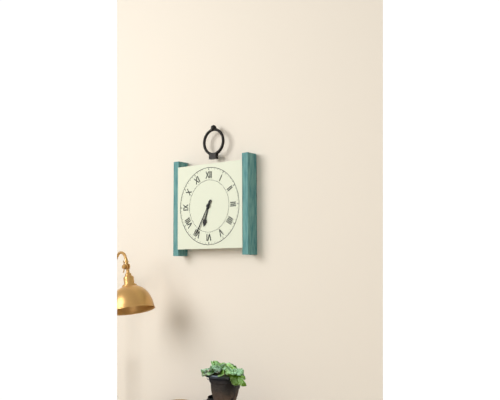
6:35
